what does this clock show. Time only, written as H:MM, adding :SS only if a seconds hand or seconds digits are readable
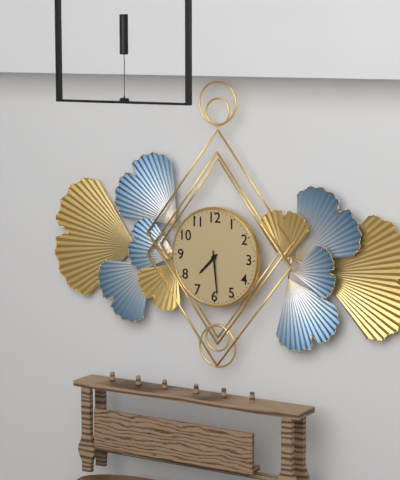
7:29
